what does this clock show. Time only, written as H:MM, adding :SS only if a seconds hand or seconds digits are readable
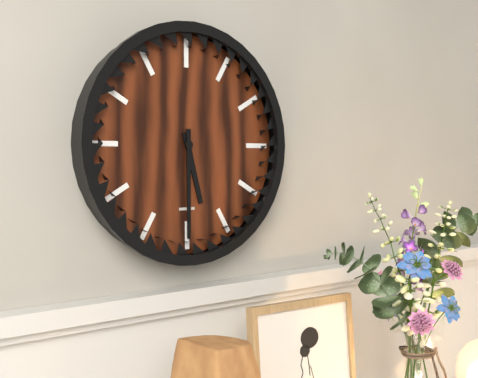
5:30
